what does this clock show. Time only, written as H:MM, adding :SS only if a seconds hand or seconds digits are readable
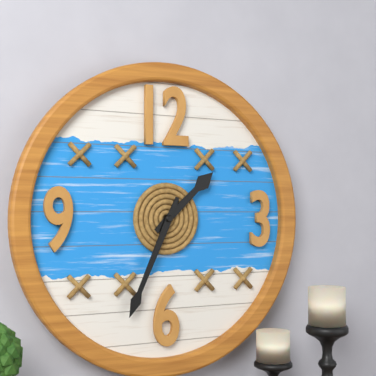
1:34
